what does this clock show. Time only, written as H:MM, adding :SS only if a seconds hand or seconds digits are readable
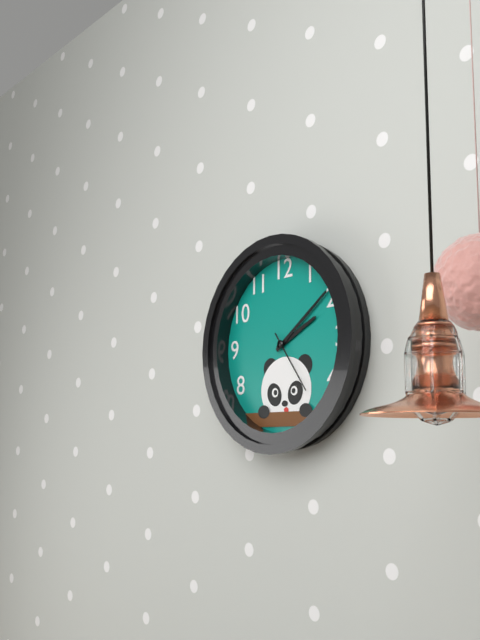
2:09:24
